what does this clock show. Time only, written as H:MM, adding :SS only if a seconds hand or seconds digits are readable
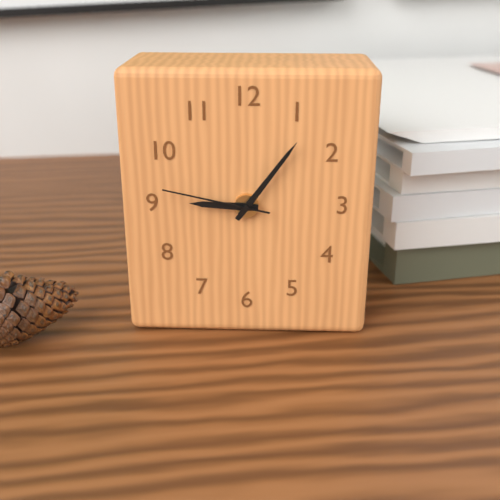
9:06:47
